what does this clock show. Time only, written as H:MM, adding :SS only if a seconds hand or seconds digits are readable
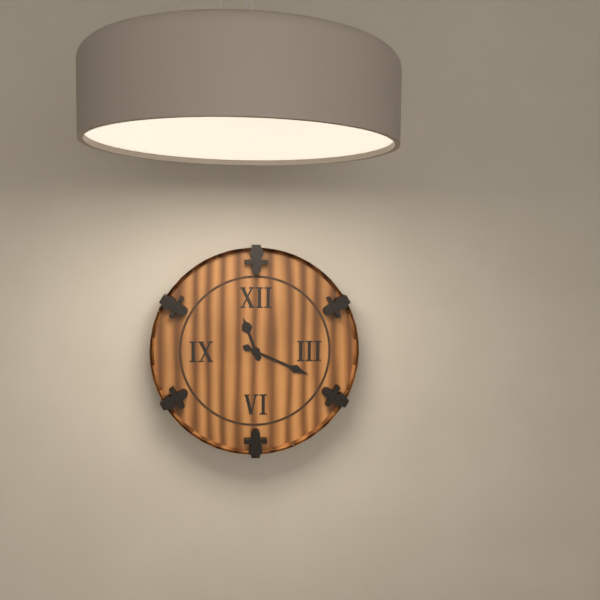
11:19
